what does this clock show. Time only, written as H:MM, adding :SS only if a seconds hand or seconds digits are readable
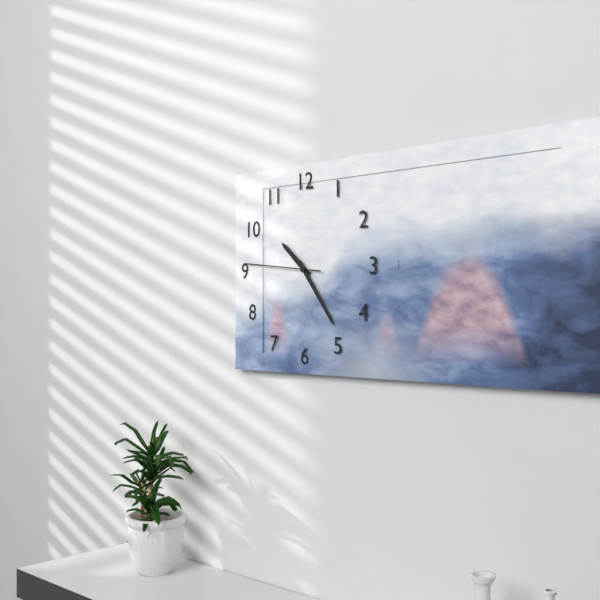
10:24:46
